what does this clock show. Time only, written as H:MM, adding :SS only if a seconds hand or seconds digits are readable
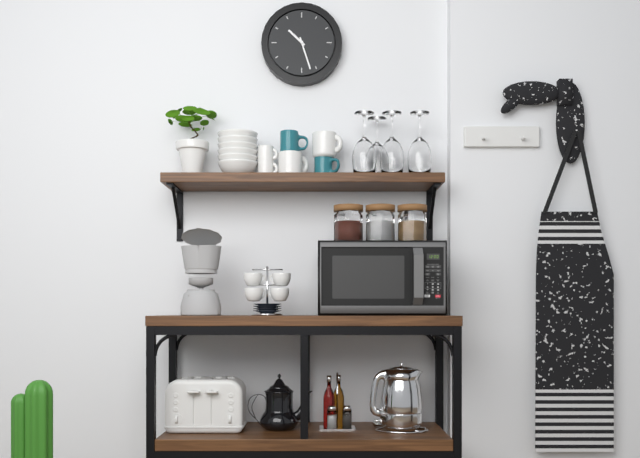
10:27
